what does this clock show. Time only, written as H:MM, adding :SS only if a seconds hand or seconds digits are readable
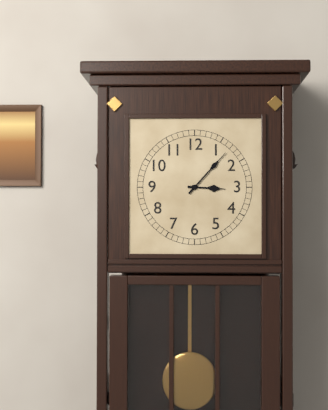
3:07
